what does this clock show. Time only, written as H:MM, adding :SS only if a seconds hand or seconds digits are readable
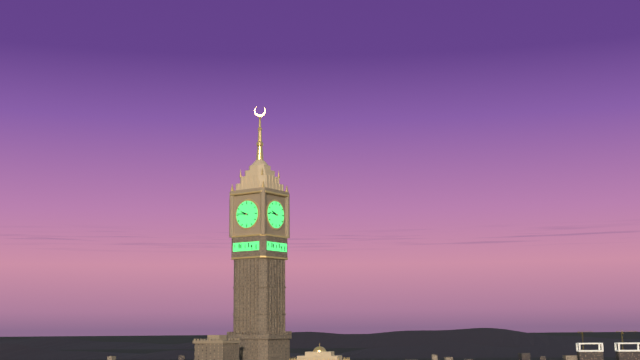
9:46
